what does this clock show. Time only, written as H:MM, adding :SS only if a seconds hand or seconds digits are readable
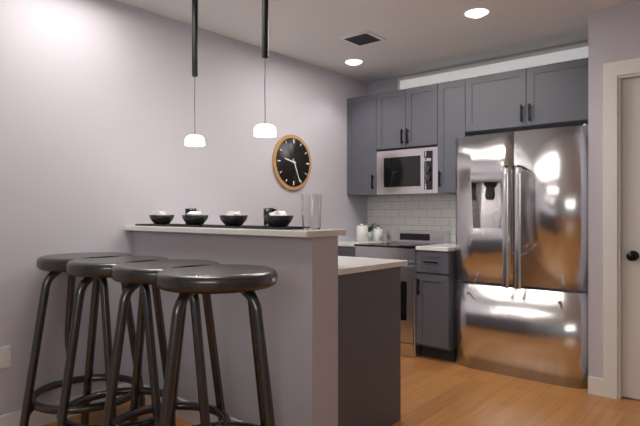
9:26
